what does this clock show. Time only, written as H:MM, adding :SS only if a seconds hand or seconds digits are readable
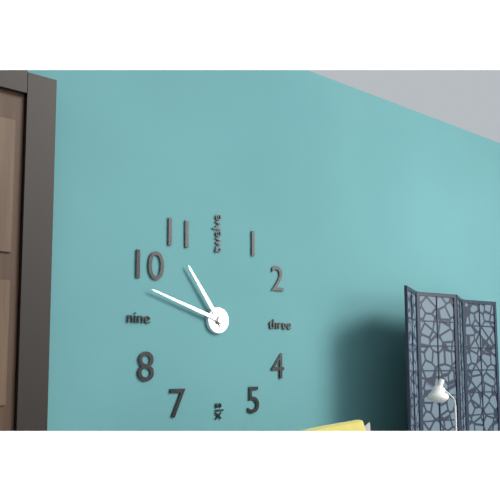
10:48
